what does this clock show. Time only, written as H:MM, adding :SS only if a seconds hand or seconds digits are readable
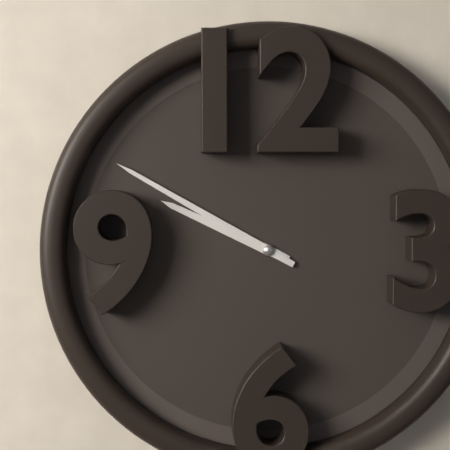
9:50
